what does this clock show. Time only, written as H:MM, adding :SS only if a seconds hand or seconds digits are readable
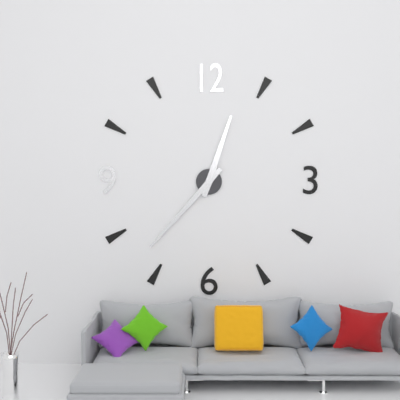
12:37
